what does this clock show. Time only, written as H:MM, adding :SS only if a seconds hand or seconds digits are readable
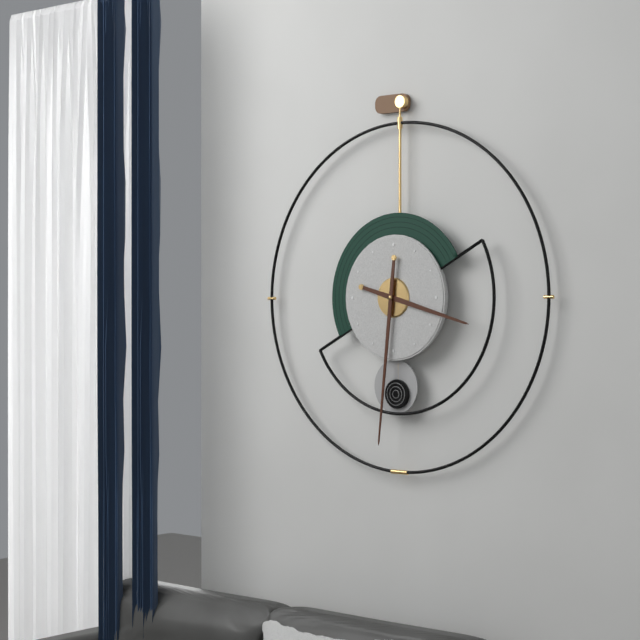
3:31
